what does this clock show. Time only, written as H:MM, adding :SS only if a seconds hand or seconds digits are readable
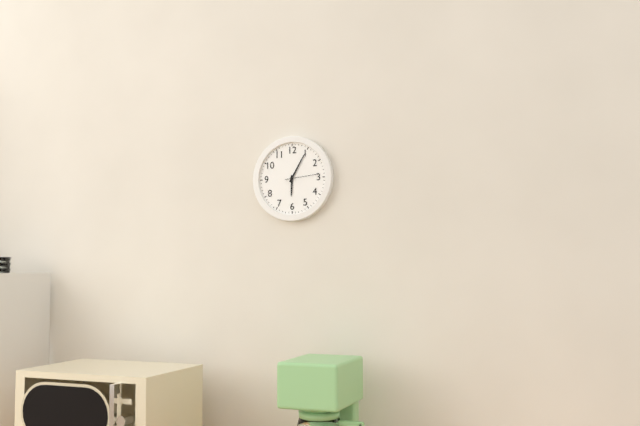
6:05
